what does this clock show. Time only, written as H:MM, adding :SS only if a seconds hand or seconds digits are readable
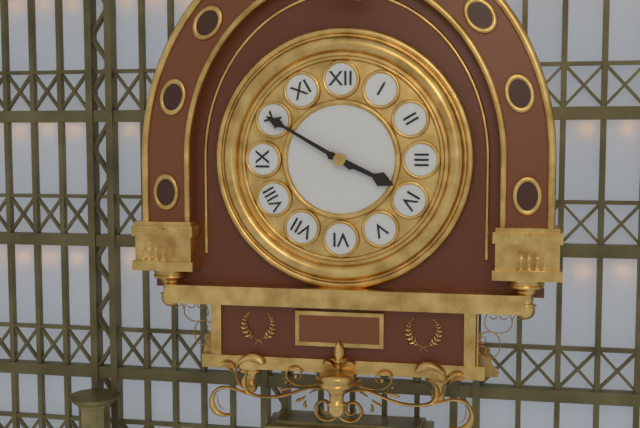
3:50
